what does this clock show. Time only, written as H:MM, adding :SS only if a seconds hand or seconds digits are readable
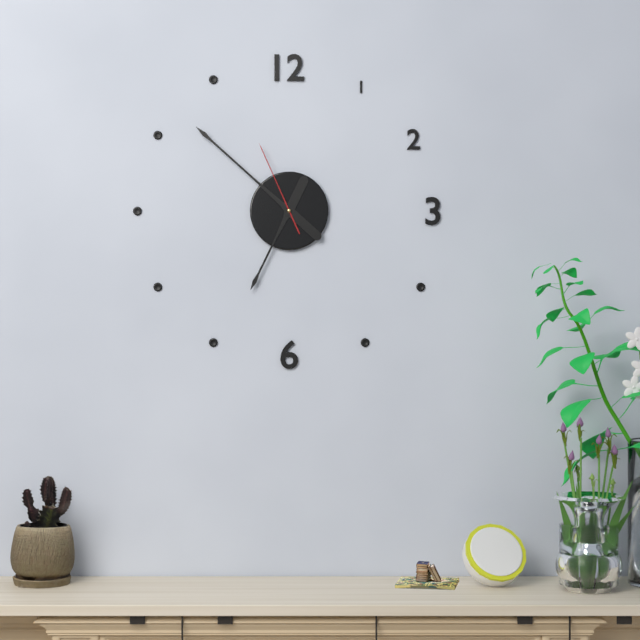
6:52:56
